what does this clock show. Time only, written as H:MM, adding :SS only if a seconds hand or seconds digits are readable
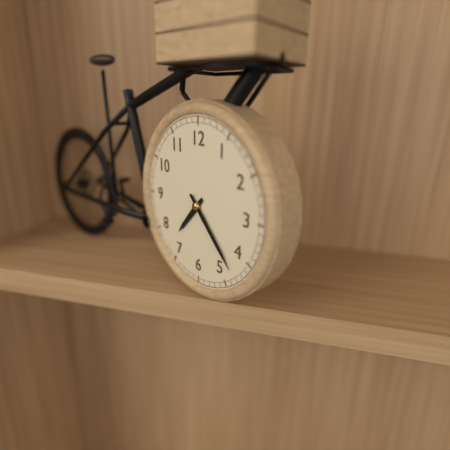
7:23
